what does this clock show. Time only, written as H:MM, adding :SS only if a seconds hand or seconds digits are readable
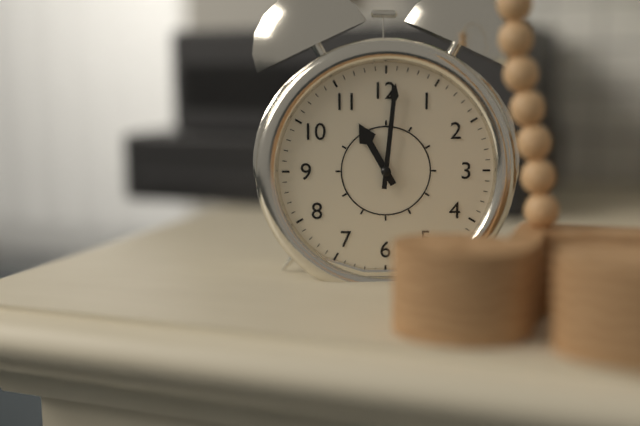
11:01
